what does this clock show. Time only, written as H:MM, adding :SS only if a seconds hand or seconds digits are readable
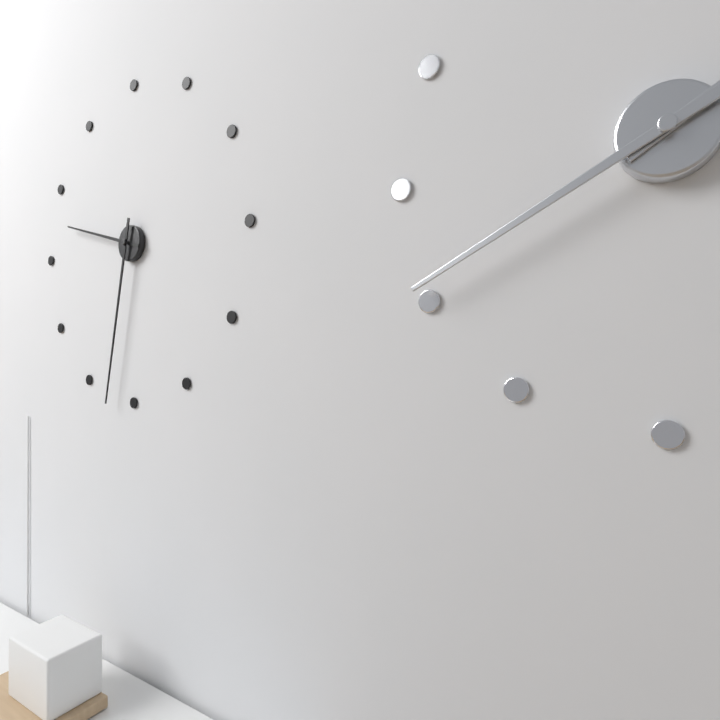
9:32
